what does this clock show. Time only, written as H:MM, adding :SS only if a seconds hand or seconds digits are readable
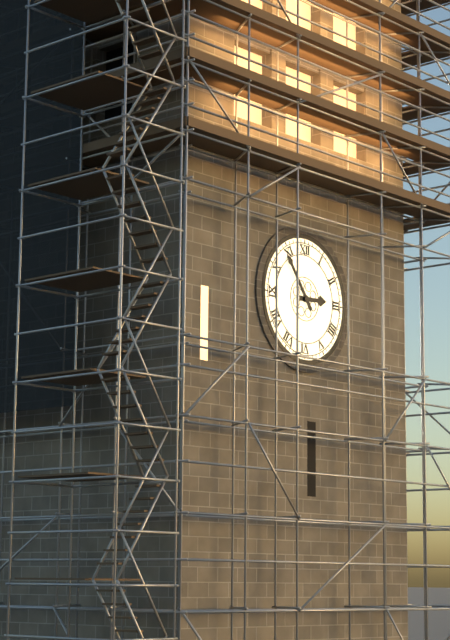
2:54
